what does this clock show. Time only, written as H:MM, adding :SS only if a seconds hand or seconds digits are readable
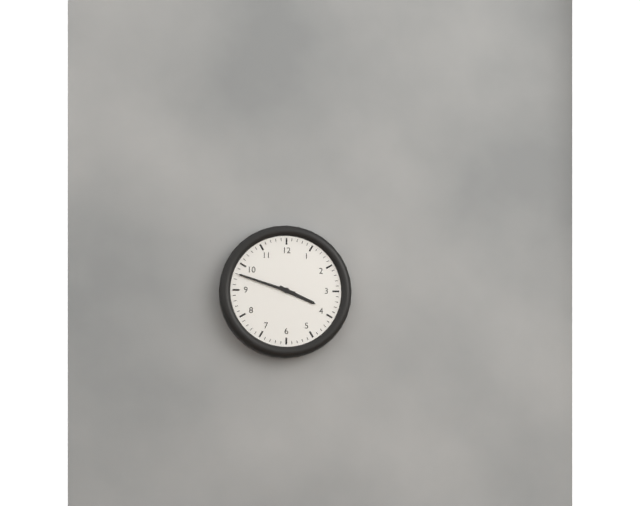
3:48
